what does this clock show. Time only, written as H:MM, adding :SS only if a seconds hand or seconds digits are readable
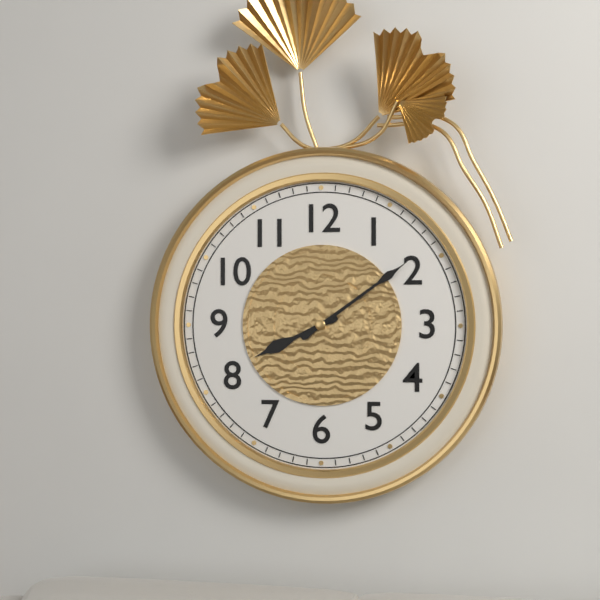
8:09
